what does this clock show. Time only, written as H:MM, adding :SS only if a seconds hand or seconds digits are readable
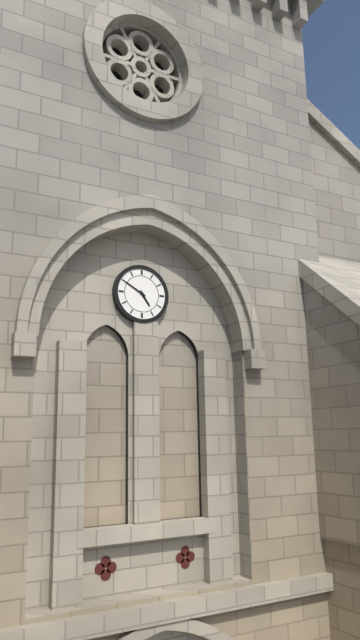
4:50
